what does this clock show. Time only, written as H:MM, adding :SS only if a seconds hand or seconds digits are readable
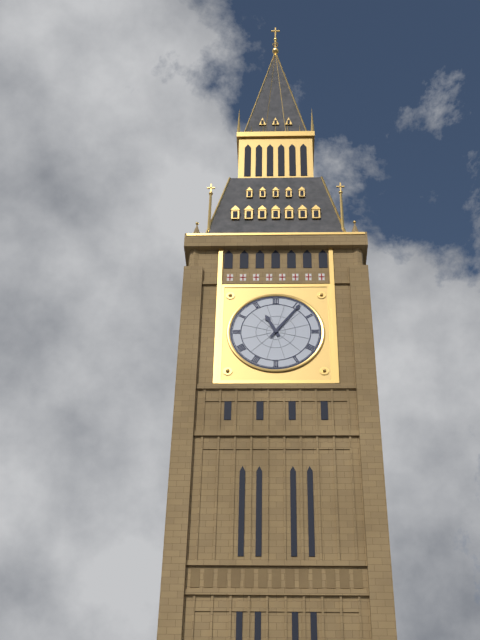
11:06
